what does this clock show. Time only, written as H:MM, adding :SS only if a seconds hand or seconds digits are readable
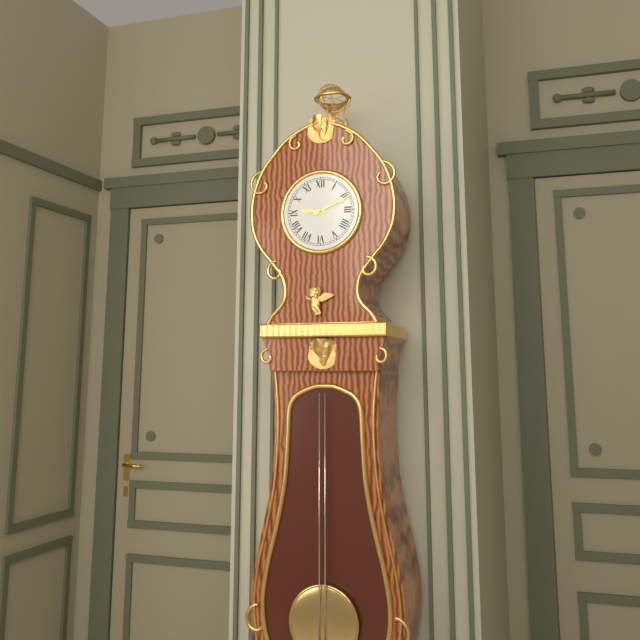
9:11
